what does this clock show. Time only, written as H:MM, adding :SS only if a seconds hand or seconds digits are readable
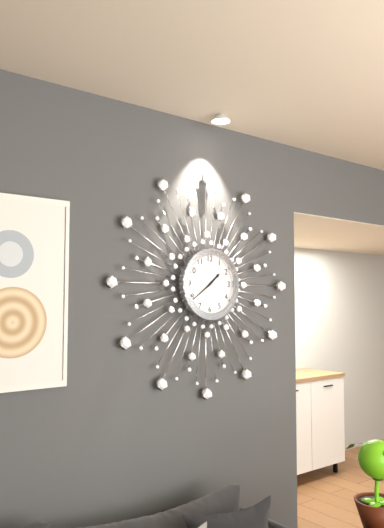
1:39
